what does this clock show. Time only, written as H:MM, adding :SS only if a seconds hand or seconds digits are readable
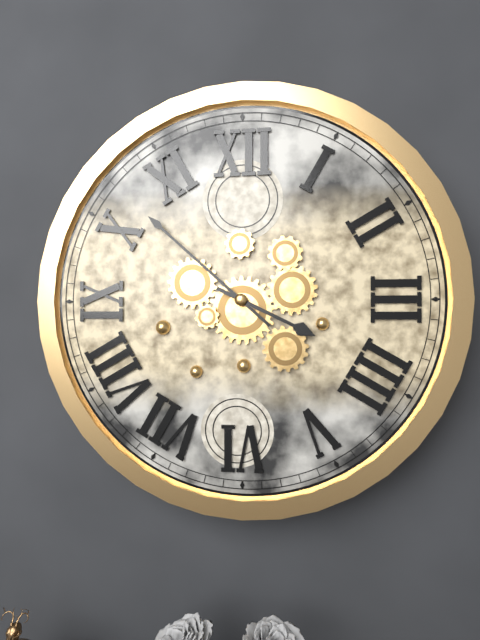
3:52
